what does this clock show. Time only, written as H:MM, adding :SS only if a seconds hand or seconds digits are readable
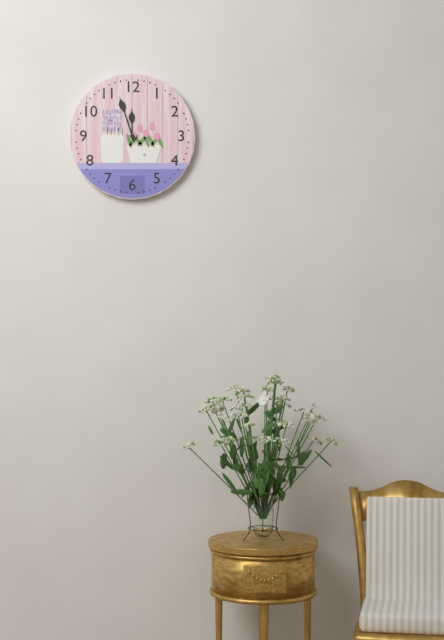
11:57
